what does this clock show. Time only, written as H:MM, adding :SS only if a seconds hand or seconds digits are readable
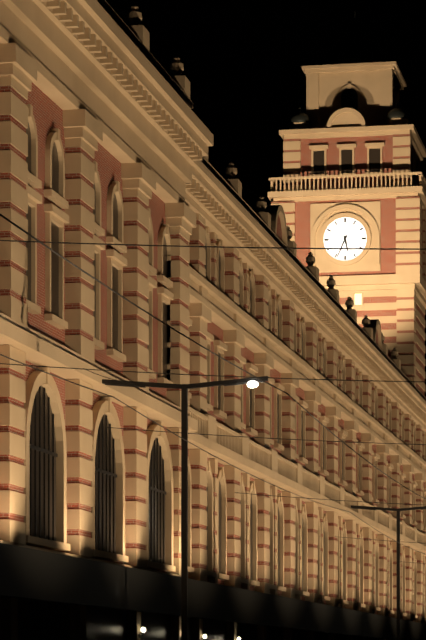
5:34
